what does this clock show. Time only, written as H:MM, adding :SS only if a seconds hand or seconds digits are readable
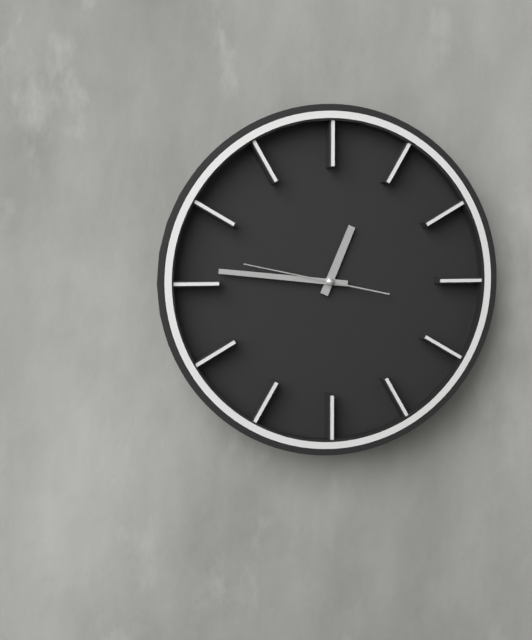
12:46:47
